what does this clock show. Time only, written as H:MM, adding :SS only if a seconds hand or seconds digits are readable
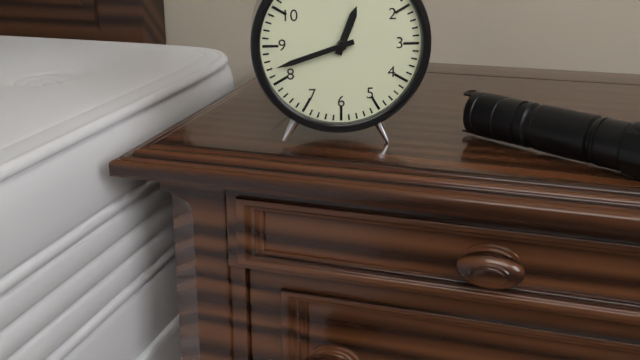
12:42
